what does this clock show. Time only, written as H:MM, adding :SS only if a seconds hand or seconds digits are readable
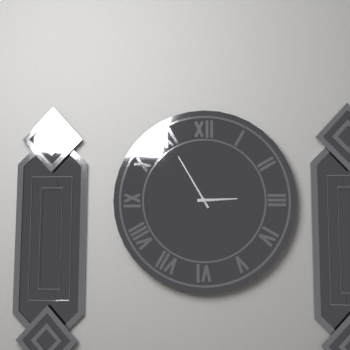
2:55
